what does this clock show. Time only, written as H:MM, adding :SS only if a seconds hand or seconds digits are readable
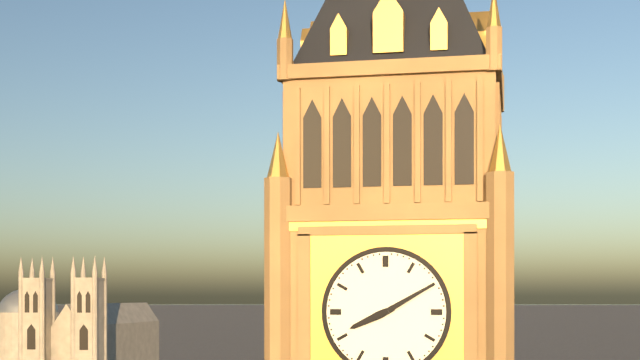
8:10
